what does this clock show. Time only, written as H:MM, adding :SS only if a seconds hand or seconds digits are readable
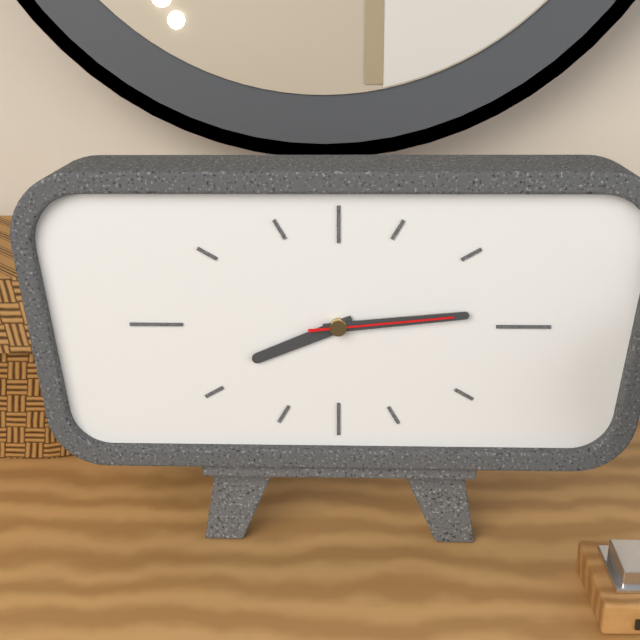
8:14:14
